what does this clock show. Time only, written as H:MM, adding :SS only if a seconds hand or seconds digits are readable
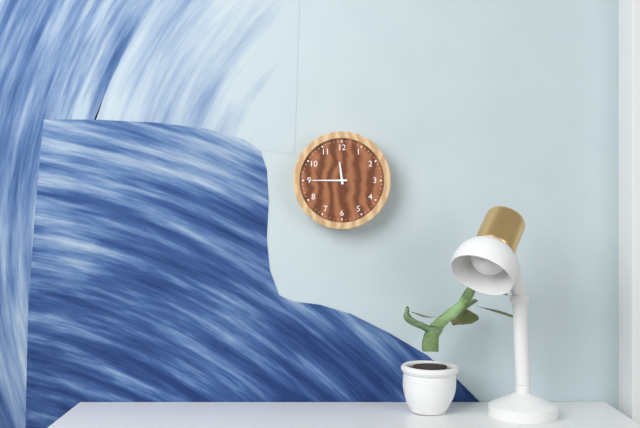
11:45
